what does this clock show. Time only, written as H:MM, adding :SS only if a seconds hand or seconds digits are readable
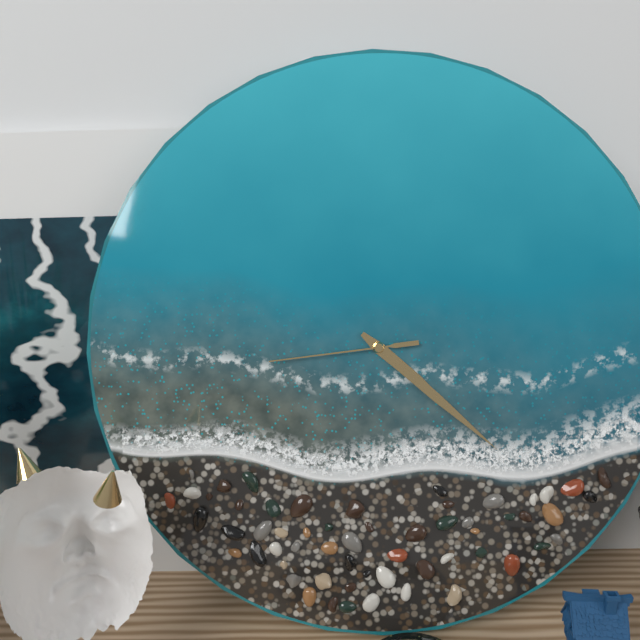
4:22:44
